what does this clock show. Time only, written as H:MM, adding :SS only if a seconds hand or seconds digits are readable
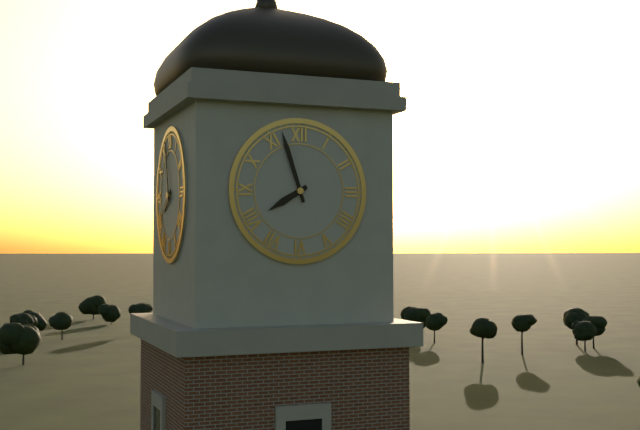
7:57
